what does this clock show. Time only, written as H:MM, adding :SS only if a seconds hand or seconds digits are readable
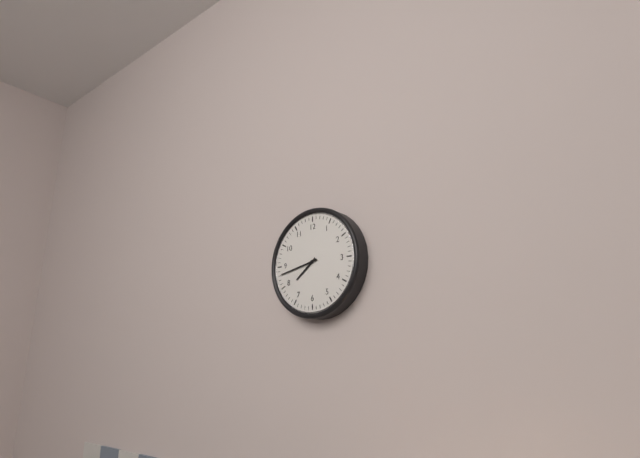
7:43
